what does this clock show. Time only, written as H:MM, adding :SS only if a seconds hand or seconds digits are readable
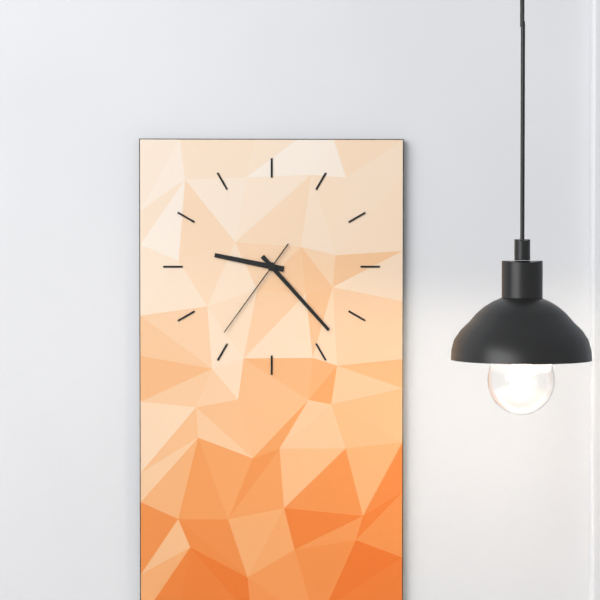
9:23:36
